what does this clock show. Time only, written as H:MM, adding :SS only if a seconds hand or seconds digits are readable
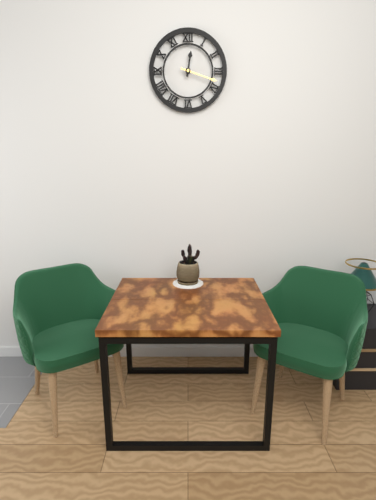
12:18
